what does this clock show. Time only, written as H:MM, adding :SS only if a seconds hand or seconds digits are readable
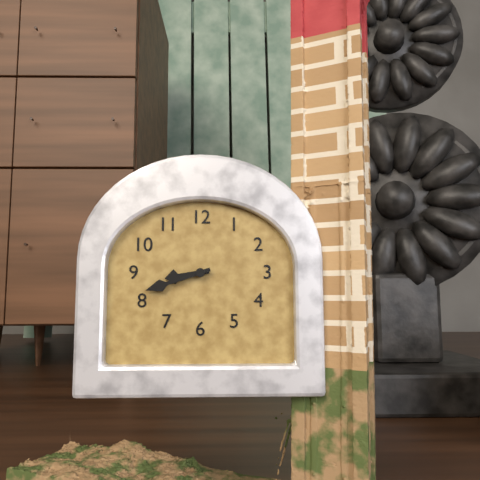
8:42
